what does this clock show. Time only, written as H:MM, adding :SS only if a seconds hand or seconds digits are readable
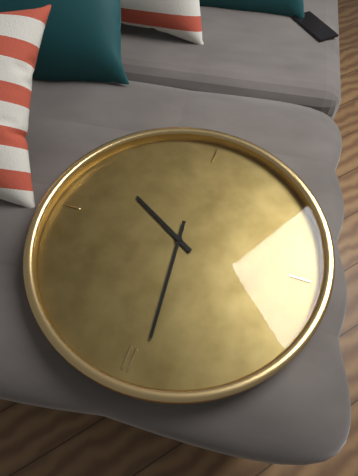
3:59
